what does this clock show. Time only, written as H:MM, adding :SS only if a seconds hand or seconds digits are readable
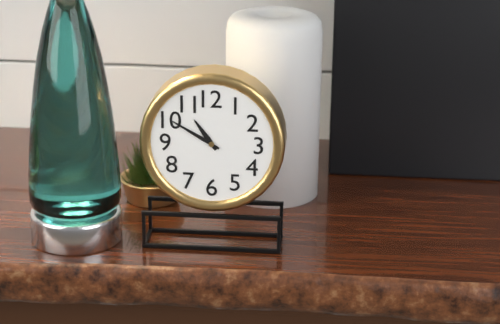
10:50
